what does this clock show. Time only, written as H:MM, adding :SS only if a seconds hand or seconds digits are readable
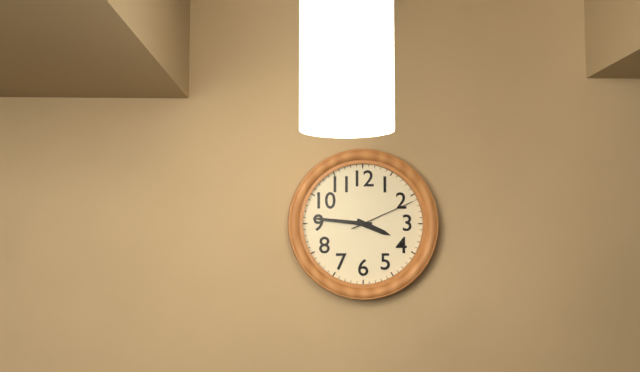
3:46:11
